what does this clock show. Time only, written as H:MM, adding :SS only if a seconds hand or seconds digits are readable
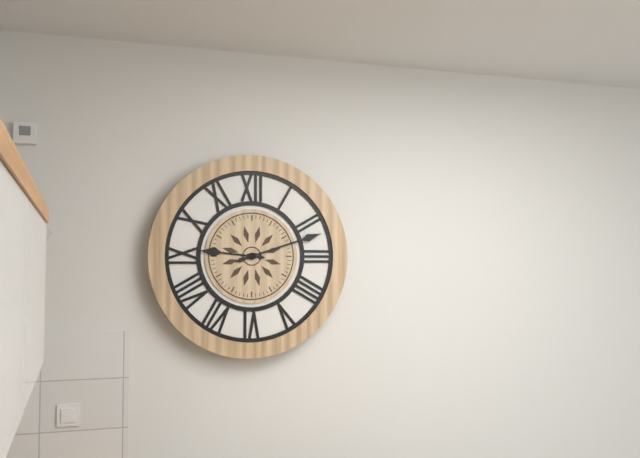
9:12
